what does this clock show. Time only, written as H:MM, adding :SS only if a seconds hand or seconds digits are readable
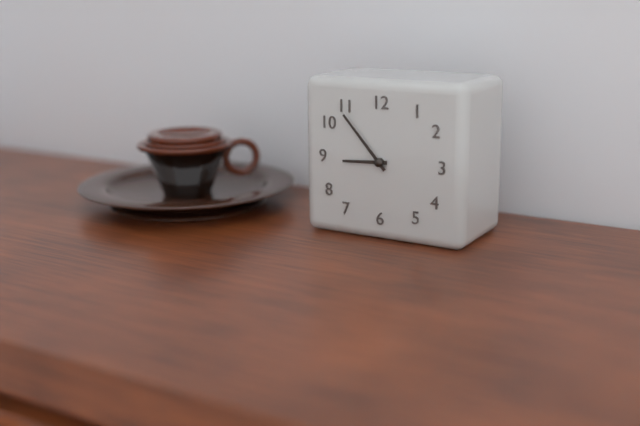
8:53
